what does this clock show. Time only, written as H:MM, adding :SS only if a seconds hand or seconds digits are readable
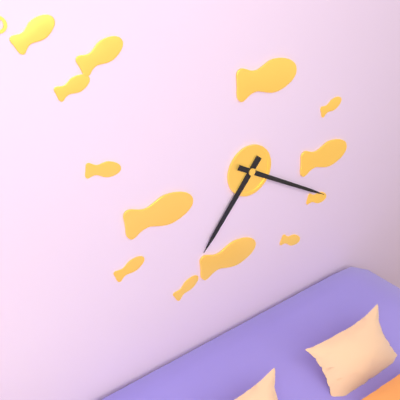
7:20
